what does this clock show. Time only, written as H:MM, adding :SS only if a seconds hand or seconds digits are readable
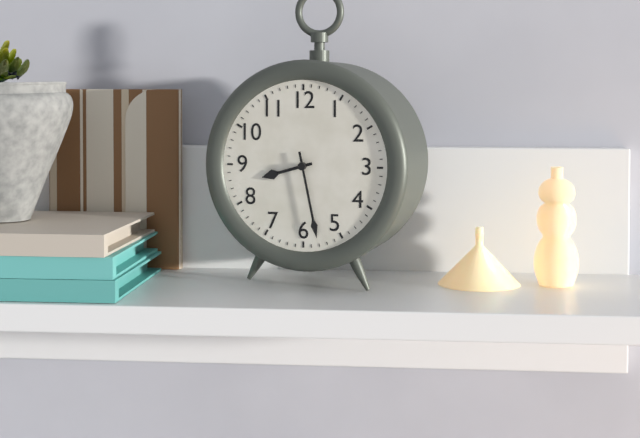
8:28
